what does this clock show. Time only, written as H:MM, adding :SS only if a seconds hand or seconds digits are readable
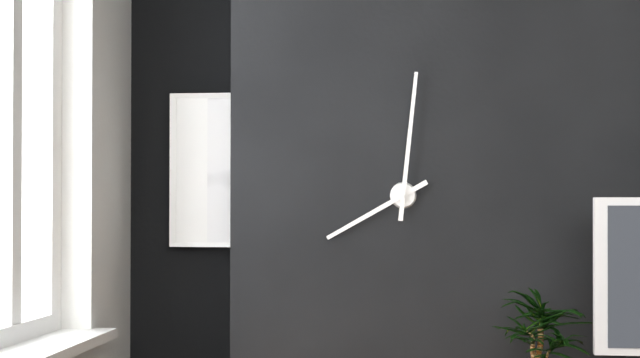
8:01
